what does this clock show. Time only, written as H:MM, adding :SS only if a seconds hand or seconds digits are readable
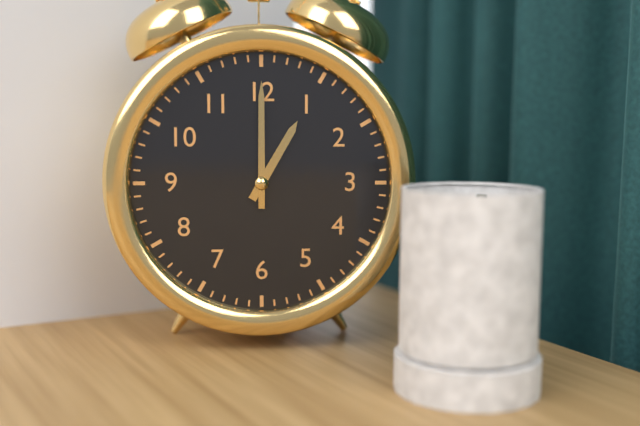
1:00
